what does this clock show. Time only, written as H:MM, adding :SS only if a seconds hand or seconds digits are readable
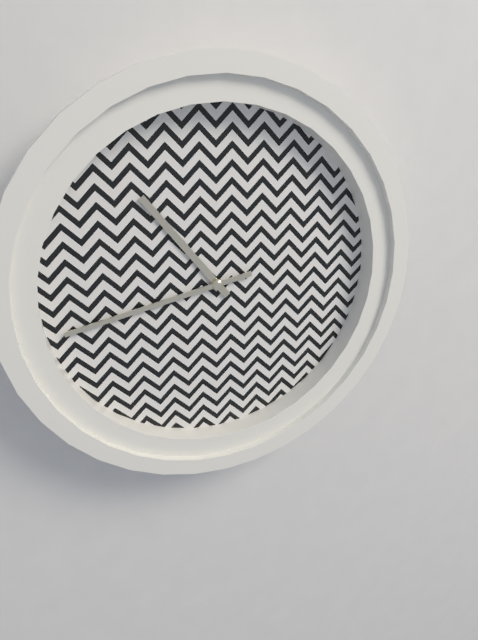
10:43
